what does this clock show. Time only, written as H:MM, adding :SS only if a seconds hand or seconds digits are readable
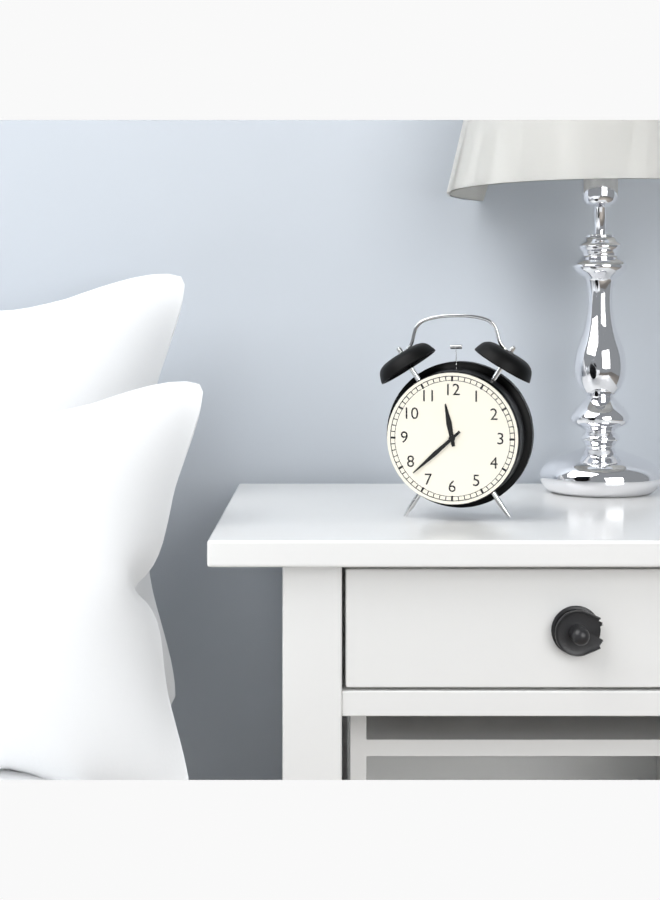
11:38
